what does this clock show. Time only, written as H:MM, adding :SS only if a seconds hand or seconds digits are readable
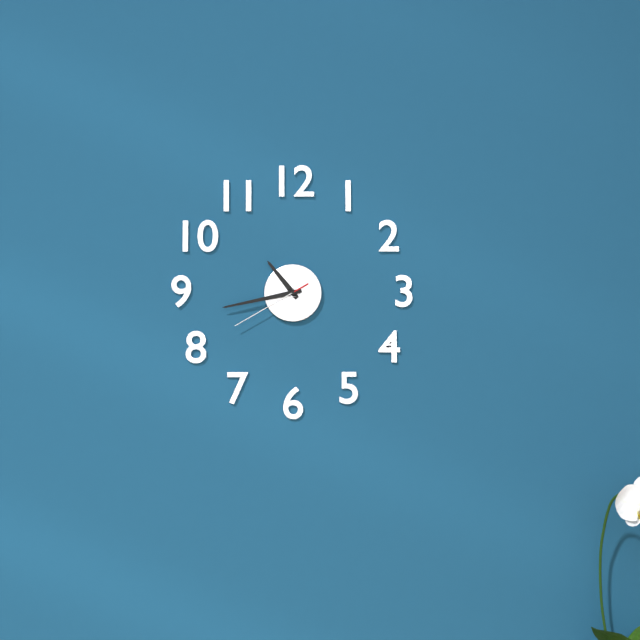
10:43:40
